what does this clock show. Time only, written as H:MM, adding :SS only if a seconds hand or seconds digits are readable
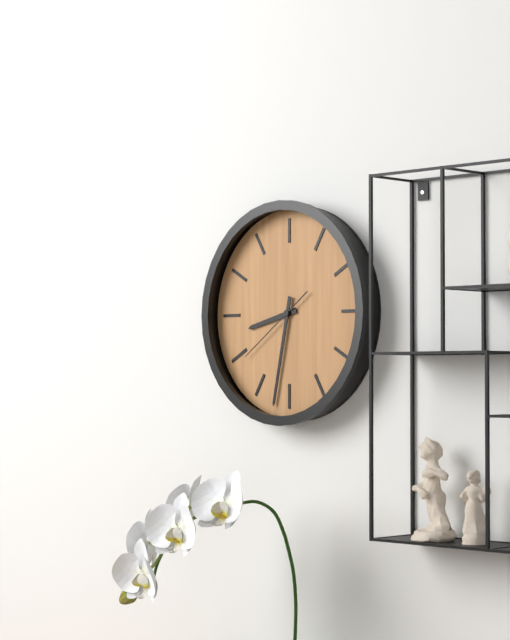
8:32:39
